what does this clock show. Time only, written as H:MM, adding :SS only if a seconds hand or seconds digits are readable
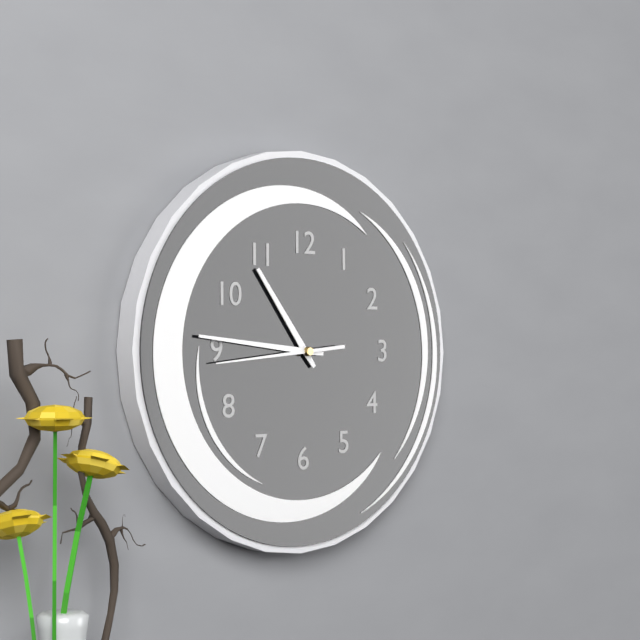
10:46:44
